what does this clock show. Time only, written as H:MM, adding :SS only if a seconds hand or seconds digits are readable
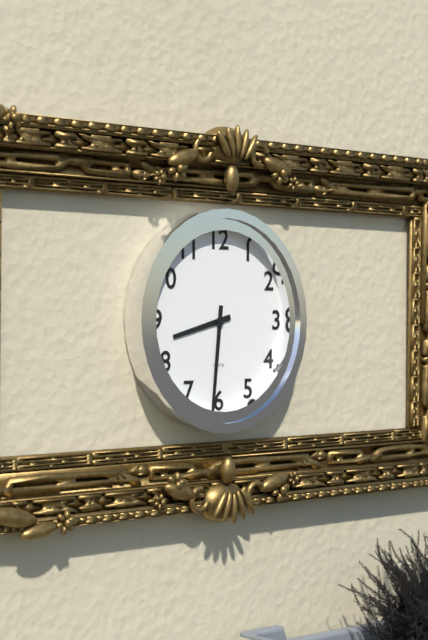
8:31
